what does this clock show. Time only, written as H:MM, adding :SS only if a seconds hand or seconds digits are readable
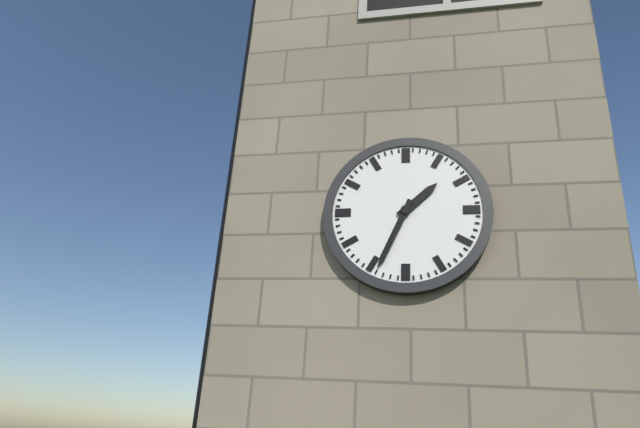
1:34
